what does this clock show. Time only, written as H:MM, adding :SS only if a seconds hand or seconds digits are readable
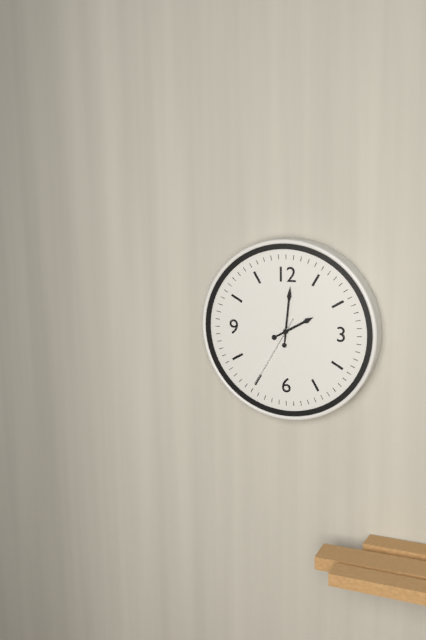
2:01:35
